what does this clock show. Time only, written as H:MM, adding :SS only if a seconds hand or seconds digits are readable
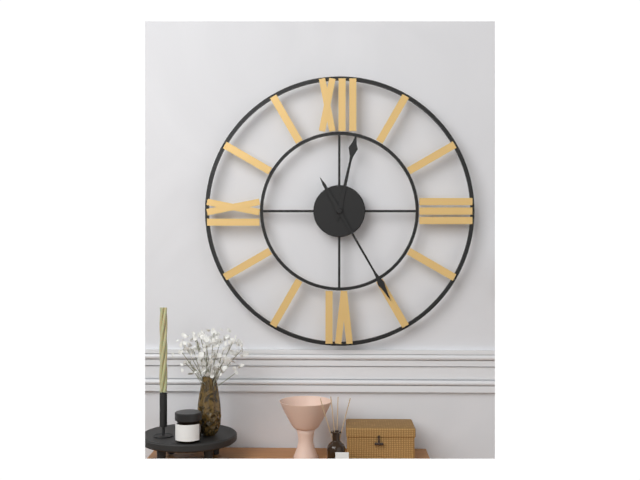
12:25
